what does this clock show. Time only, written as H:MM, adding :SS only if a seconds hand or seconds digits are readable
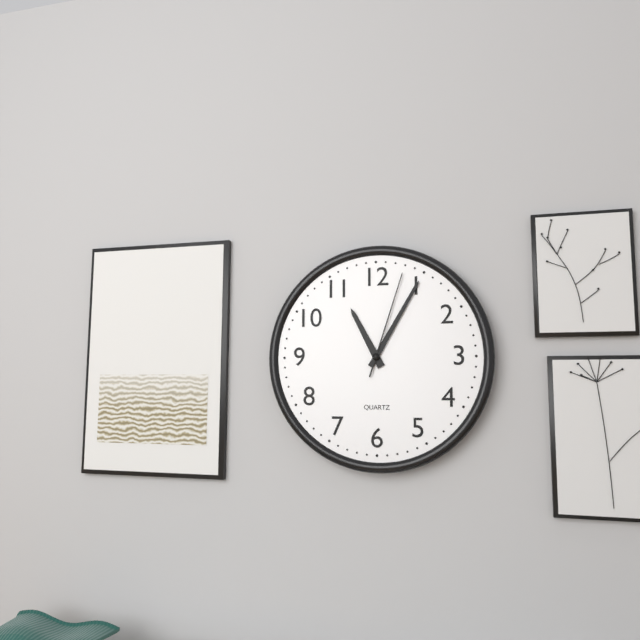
11:05:03
